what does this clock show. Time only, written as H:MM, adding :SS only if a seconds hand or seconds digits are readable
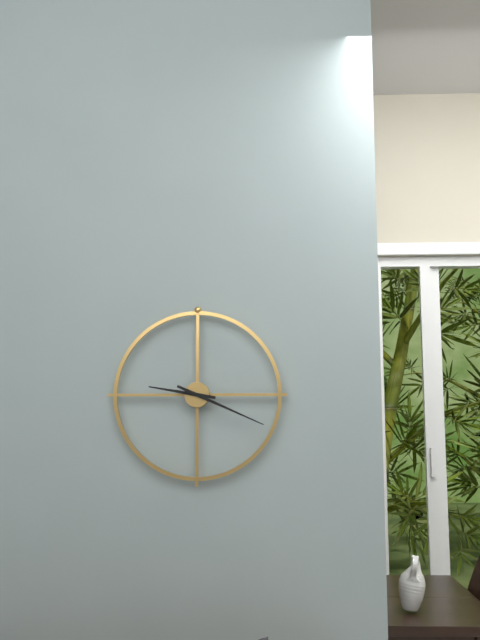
9:19
